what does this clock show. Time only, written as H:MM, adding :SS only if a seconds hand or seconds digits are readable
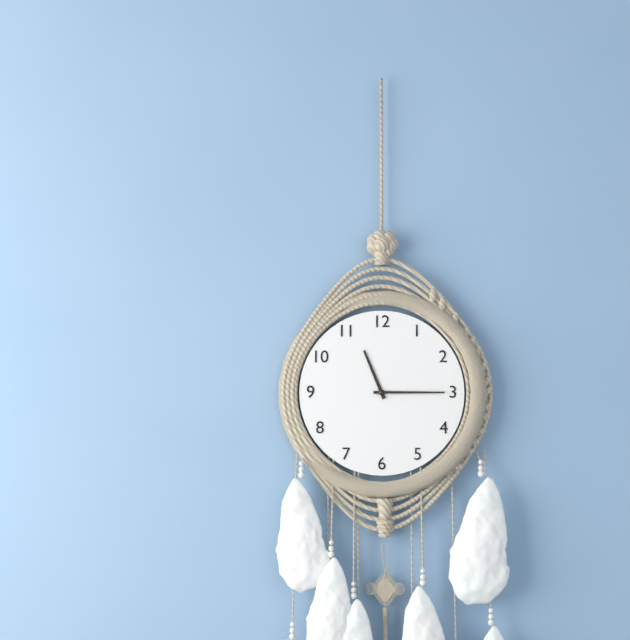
11:15
